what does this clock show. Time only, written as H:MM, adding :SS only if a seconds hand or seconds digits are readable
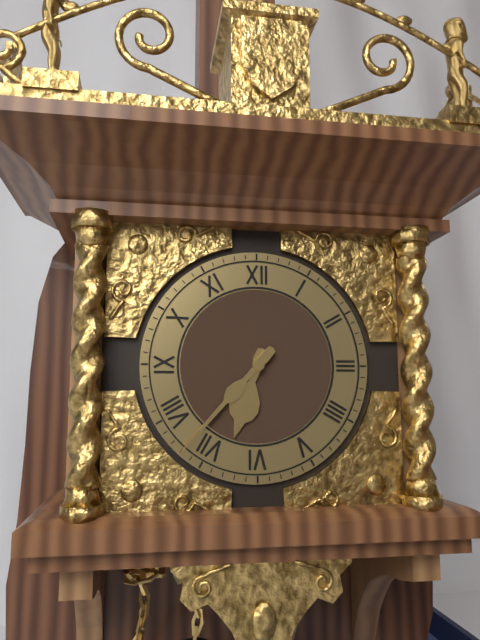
6:37
